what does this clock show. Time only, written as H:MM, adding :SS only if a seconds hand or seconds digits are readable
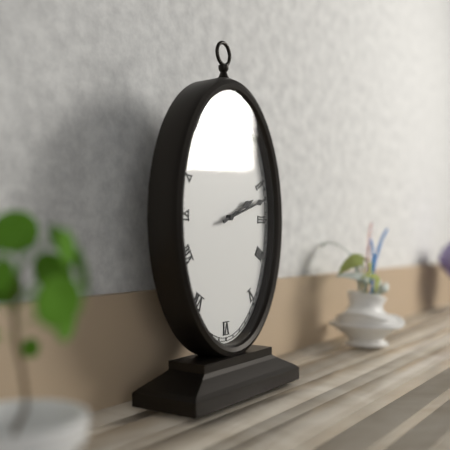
2:12
